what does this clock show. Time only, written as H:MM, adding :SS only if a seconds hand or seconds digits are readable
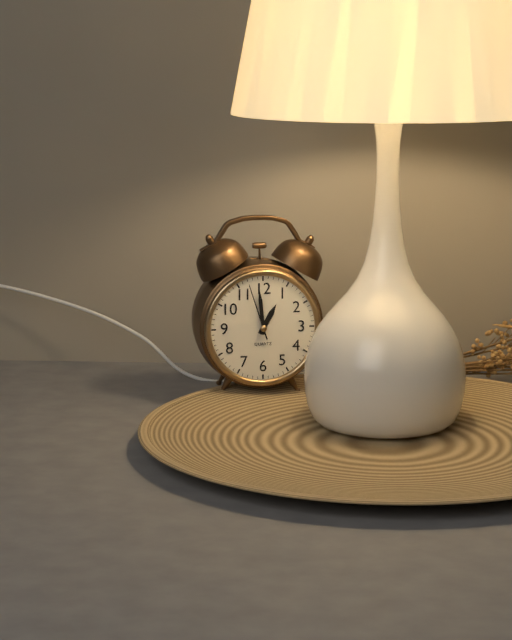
12:59:57
